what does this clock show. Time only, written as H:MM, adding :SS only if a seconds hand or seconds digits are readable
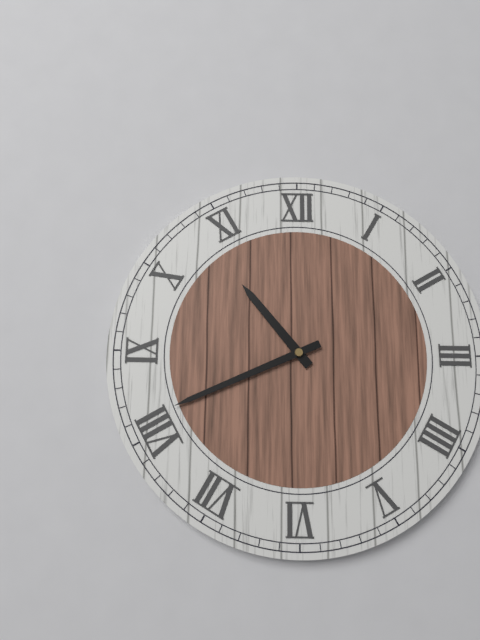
10:41
